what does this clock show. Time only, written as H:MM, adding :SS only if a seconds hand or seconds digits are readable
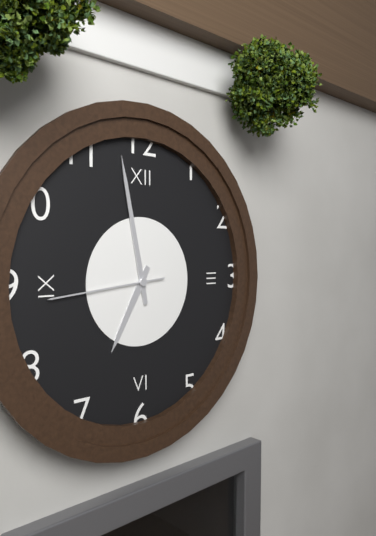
6:58:44
